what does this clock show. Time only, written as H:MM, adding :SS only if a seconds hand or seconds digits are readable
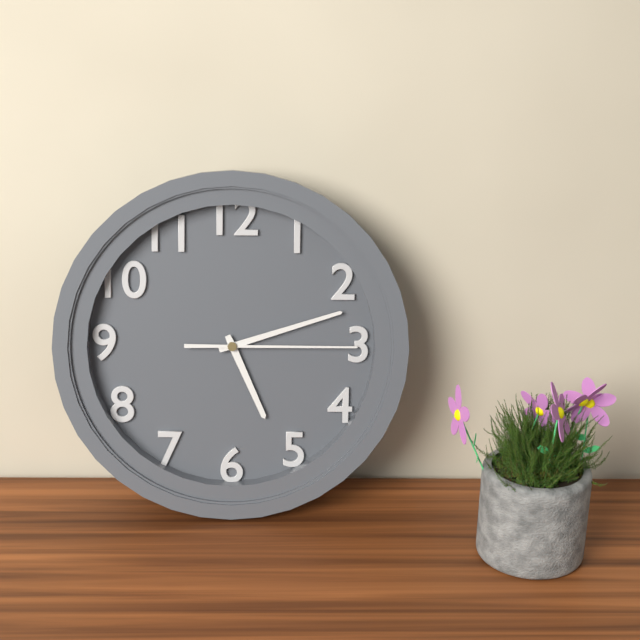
5:12:15
